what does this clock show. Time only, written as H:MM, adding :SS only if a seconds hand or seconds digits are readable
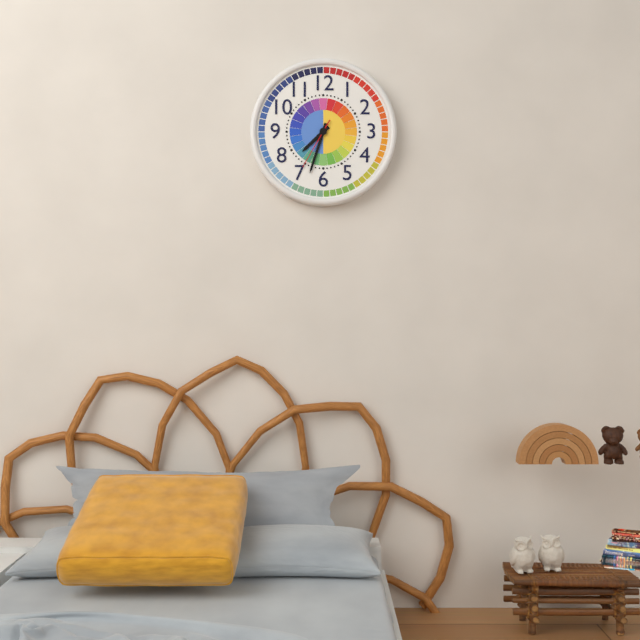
7:33:35
